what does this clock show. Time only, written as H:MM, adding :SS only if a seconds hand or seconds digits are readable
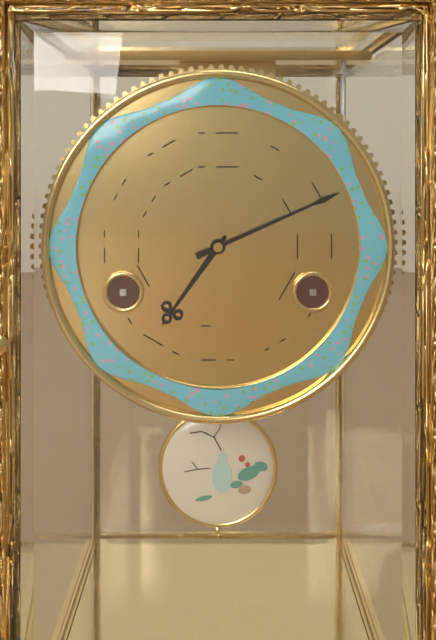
7:11
